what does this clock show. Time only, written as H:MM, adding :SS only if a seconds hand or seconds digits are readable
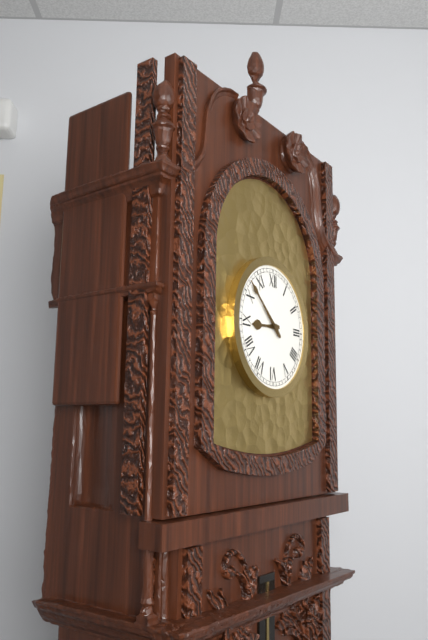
8:52
